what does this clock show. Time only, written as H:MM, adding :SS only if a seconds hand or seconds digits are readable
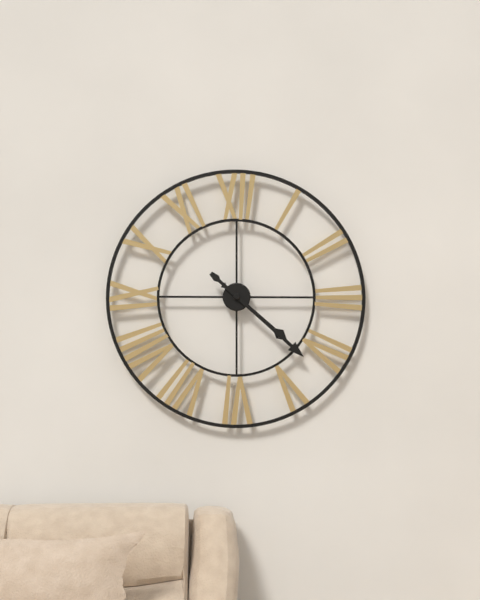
4:22
